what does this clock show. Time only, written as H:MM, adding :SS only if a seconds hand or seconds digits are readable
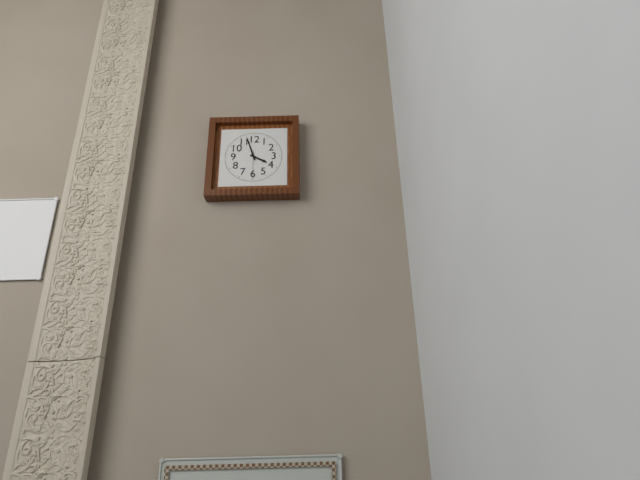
3:57
